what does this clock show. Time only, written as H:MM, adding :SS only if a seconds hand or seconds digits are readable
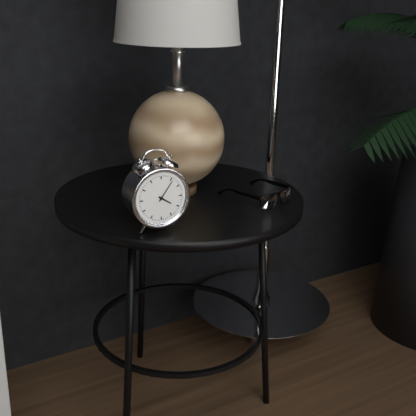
4:06
